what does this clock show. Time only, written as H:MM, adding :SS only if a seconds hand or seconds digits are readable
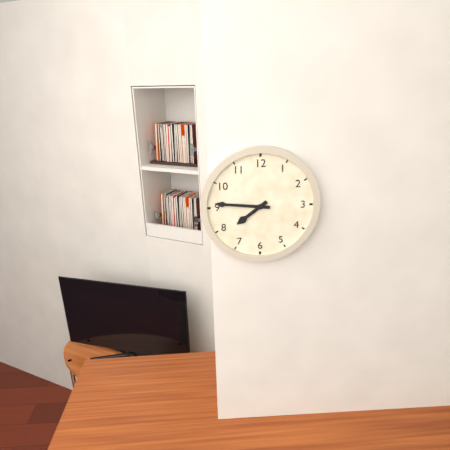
7:46
